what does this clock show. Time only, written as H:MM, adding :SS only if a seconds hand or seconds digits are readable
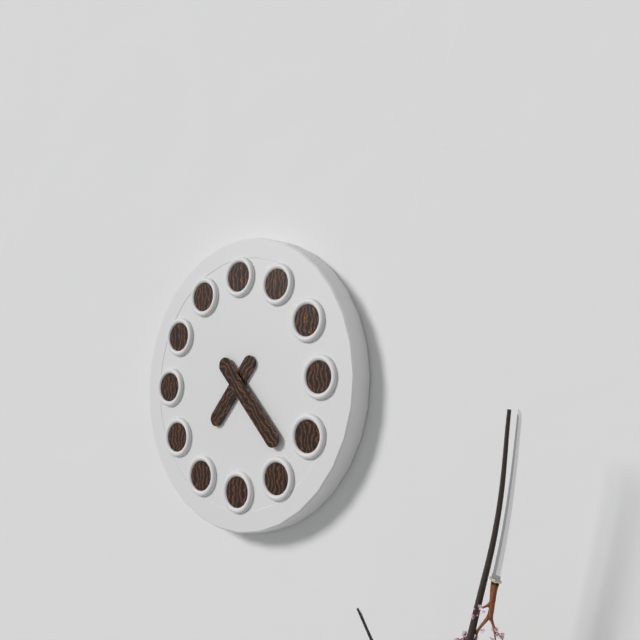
7:23
